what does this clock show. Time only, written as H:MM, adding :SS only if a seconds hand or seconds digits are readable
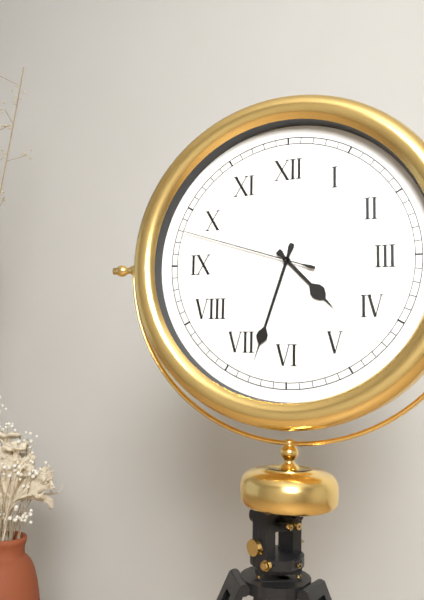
4:33:48
